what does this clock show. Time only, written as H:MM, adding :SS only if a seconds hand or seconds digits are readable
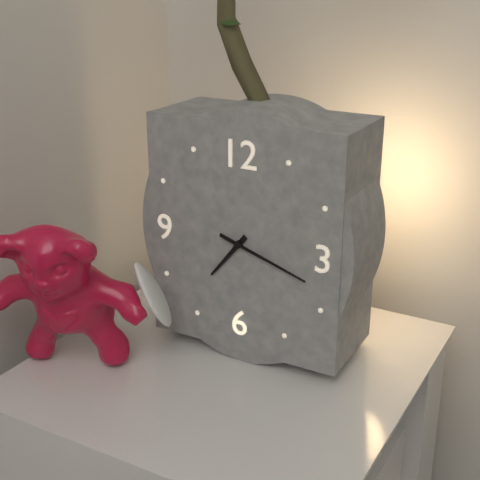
7:18
